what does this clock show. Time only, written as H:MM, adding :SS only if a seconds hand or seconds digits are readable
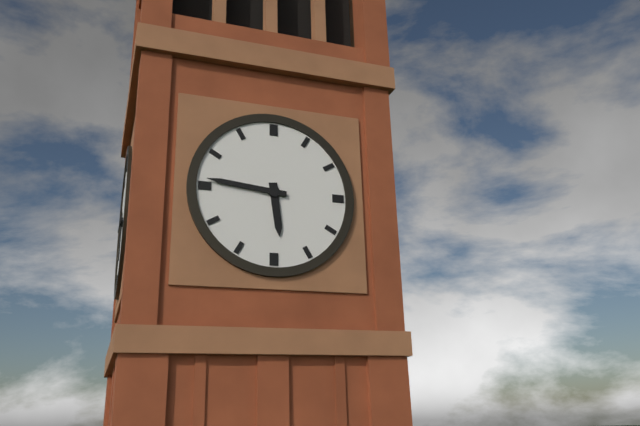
5:46
